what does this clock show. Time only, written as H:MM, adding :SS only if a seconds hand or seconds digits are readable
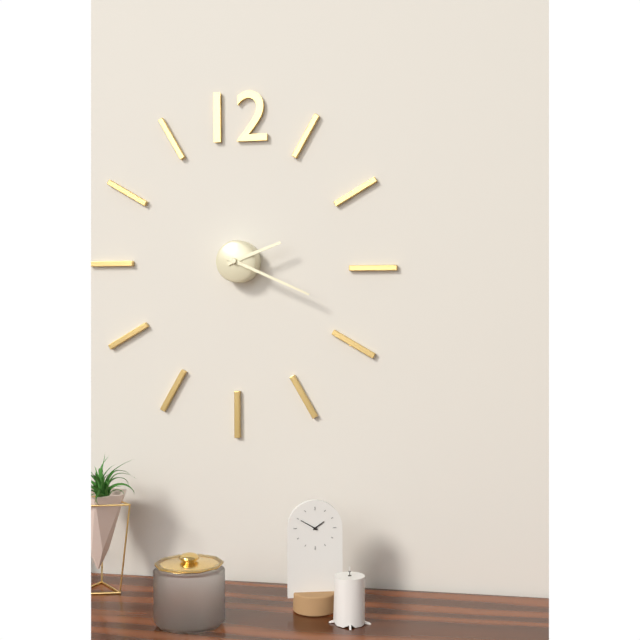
2:19
